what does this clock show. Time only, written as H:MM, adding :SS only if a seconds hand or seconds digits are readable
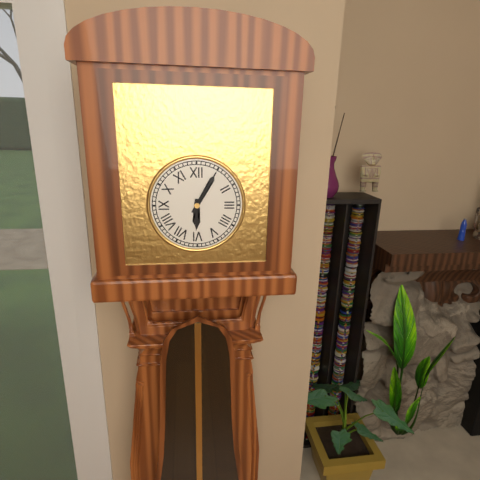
6:05
